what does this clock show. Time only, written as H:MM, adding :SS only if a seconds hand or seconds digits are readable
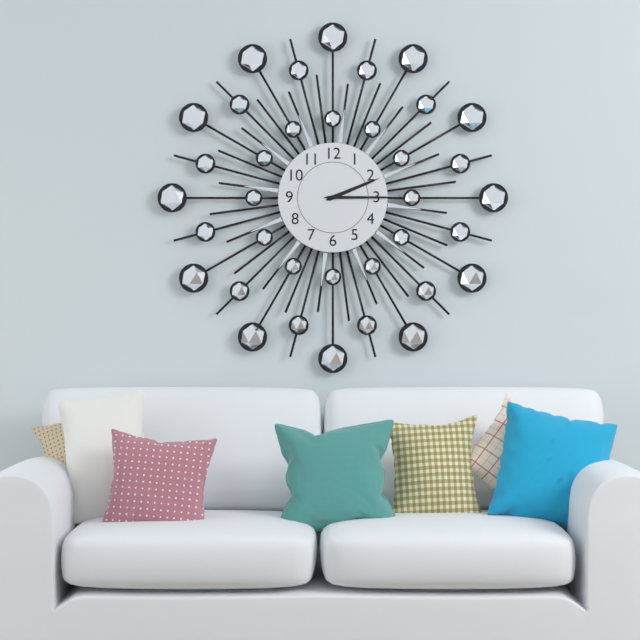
2:15
